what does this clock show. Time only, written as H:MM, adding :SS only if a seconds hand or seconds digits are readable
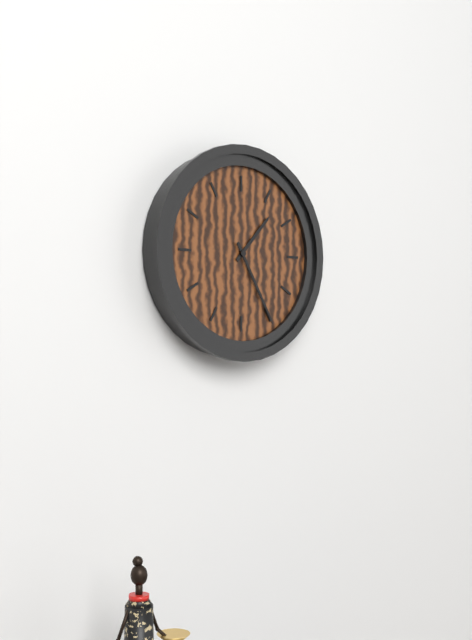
1:25
